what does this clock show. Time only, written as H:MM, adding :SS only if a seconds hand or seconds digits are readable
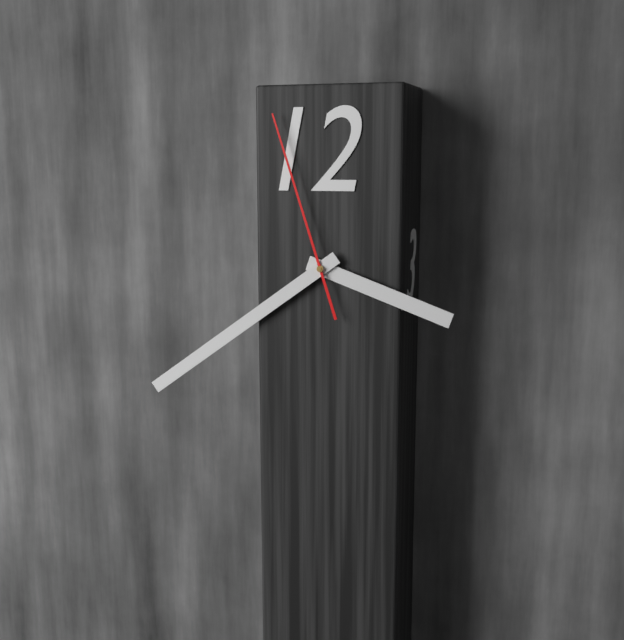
3:39:57
